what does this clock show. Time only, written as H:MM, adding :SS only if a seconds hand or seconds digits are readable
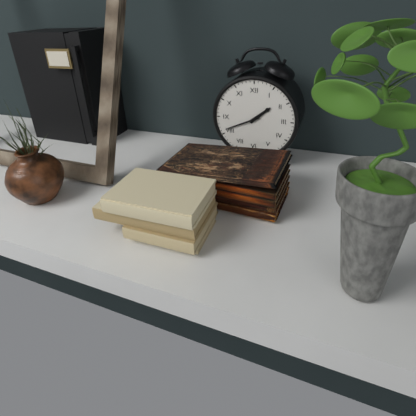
1:41
